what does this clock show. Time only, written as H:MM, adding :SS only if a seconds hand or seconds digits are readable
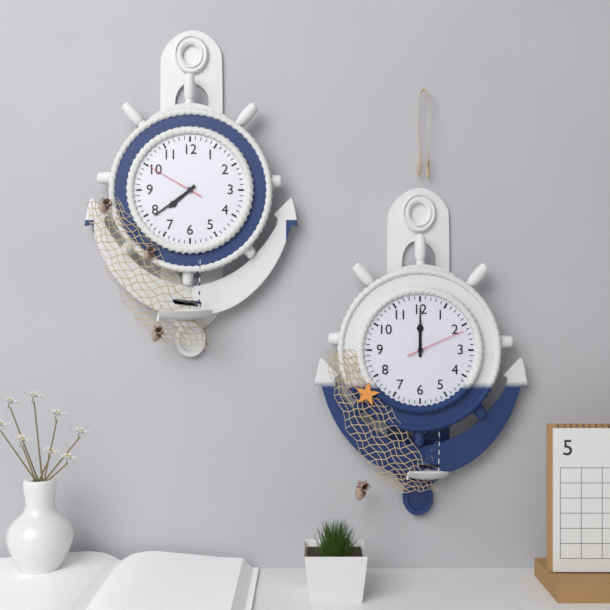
7:39:50
